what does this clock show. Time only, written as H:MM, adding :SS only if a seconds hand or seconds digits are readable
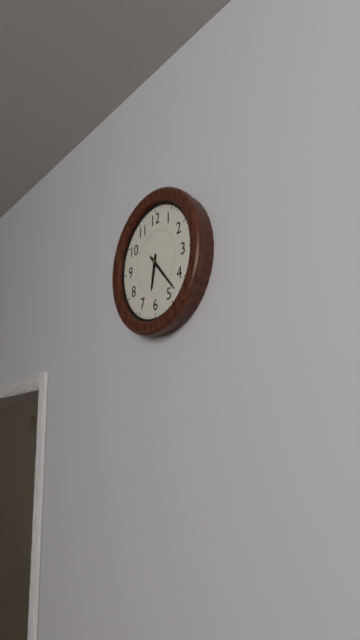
6:23
